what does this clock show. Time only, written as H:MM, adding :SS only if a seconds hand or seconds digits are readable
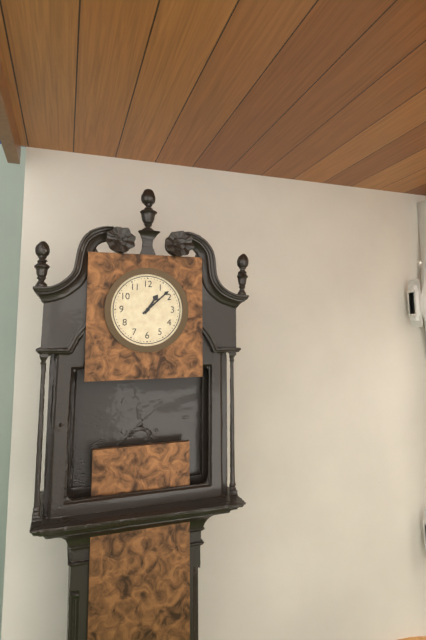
1:08
